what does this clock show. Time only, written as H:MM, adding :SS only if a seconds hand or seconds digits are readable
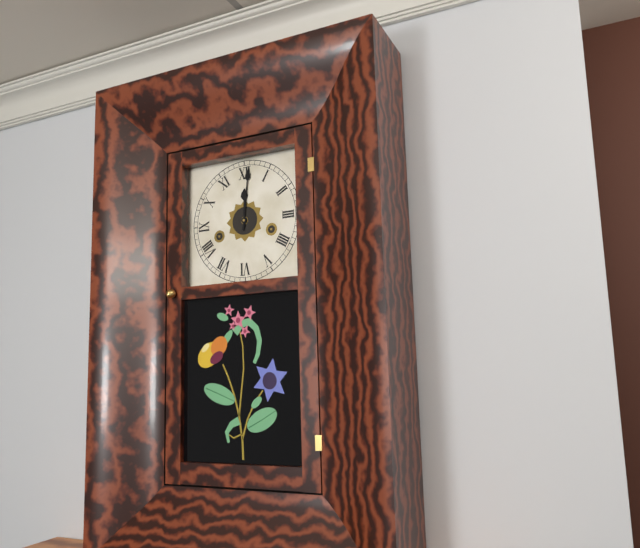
12:01
